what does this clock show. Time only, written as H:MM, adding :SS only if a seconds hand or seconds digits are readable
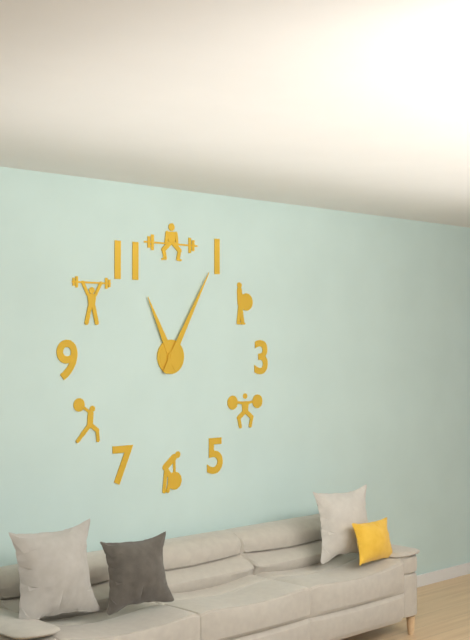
11:05
